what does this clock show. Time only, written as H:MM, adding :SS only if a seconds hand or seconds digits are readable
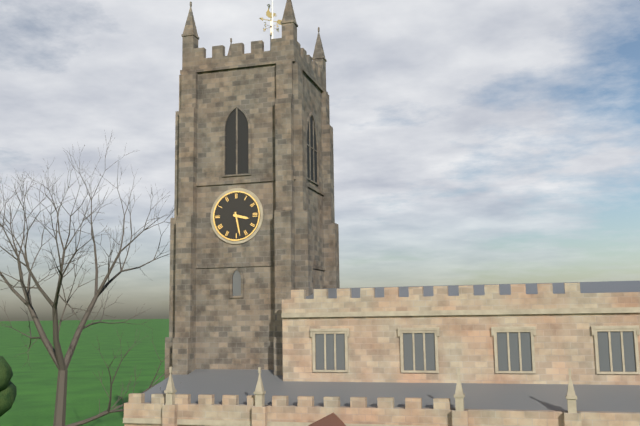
3:28
